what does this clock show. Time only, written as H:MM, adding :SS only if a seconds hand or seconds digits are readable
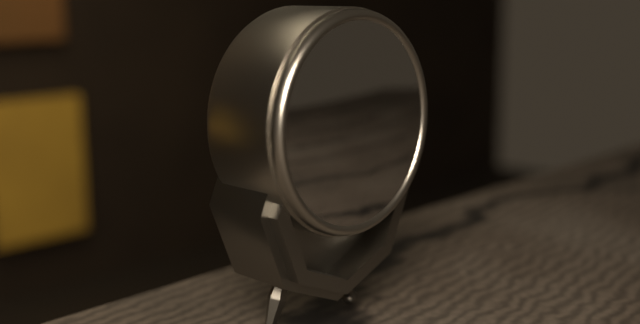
9:17
